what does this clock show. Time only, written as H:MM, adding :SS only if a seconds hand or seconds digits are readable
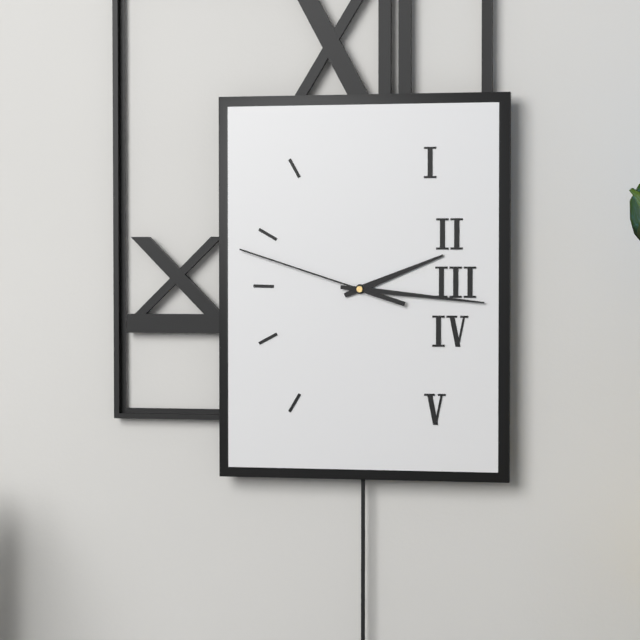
2:16:48
